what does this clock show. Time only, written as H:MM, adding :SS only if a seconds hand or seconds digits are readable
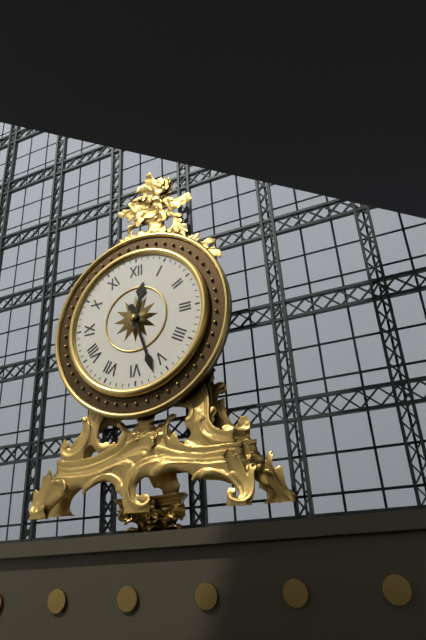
12:27
